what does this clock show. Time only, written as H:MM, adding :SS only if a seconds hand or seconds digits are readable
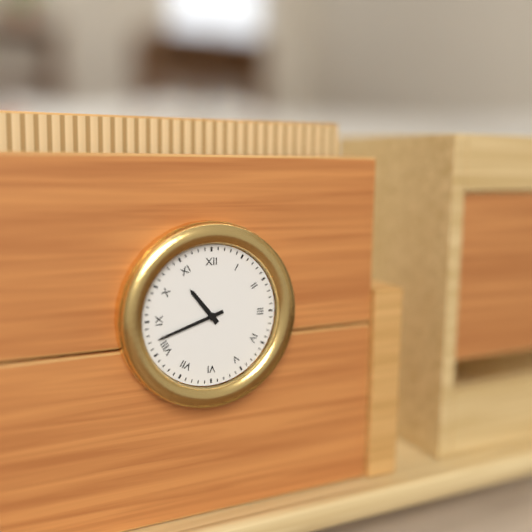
10:42
